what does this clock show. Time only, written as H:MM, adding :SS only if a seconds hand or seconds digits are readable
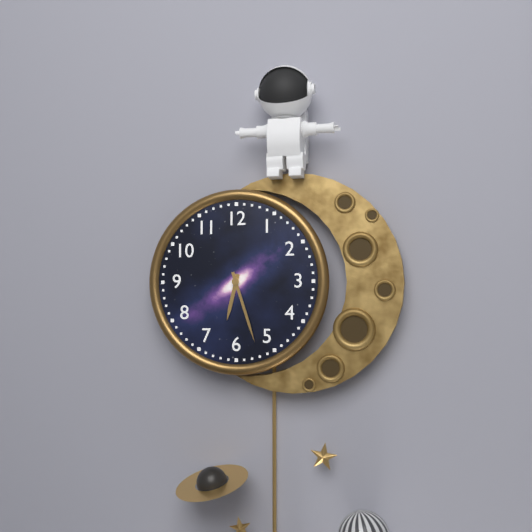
6:27
